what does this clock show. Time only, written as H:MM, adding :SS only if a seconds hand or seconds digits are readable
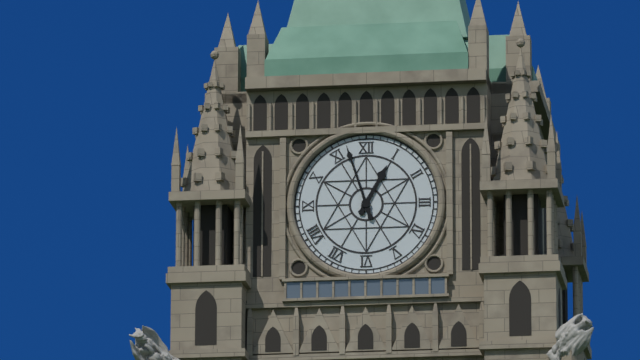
12:57
